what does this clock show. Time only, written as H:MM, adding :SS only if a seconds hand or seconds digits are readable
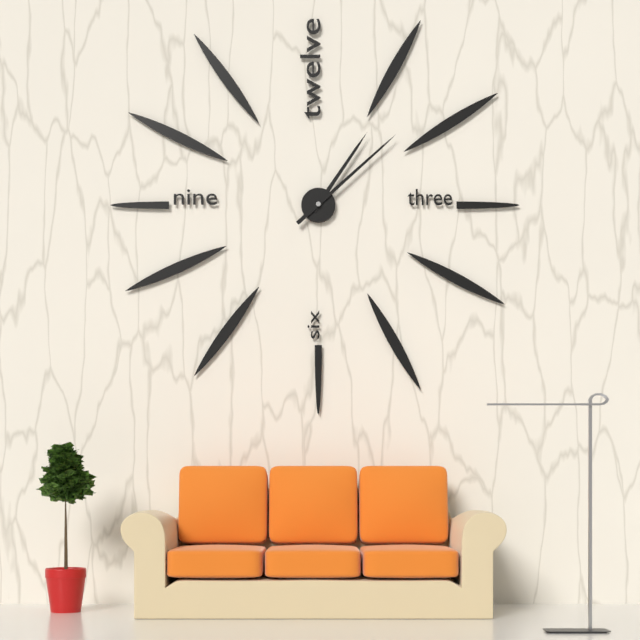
1:08
